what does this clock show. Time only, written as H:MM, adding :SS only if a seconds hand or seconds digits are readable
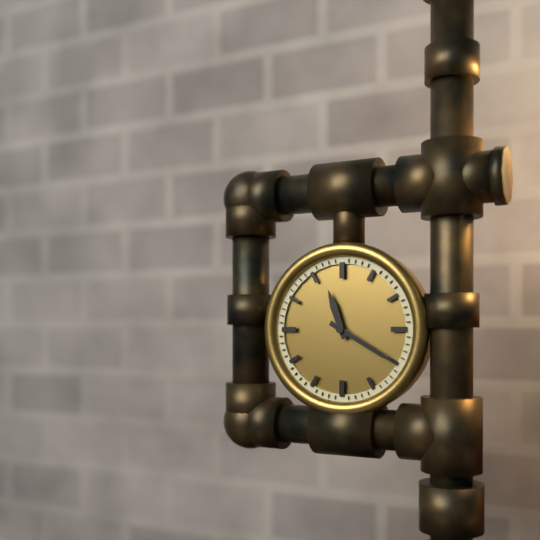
11:20
